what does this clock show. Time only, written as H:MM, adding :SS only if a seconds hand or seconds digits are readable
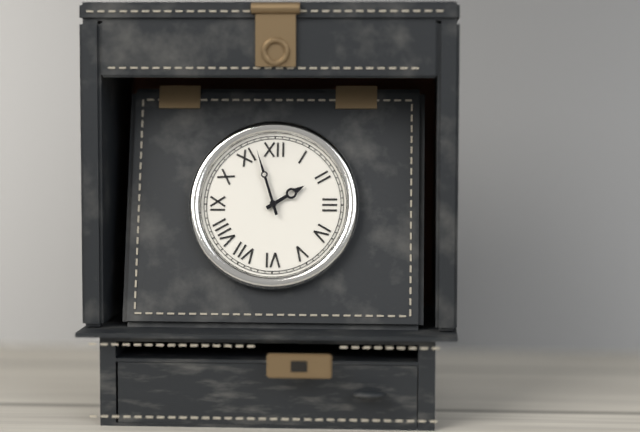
1:57
